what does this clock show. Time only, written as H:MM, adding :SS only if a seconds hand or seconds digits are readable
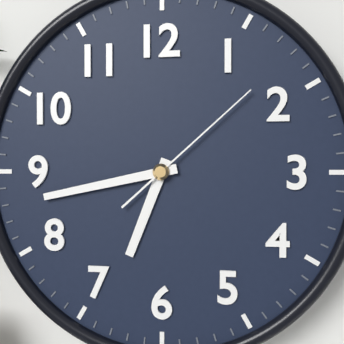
6:43:08
